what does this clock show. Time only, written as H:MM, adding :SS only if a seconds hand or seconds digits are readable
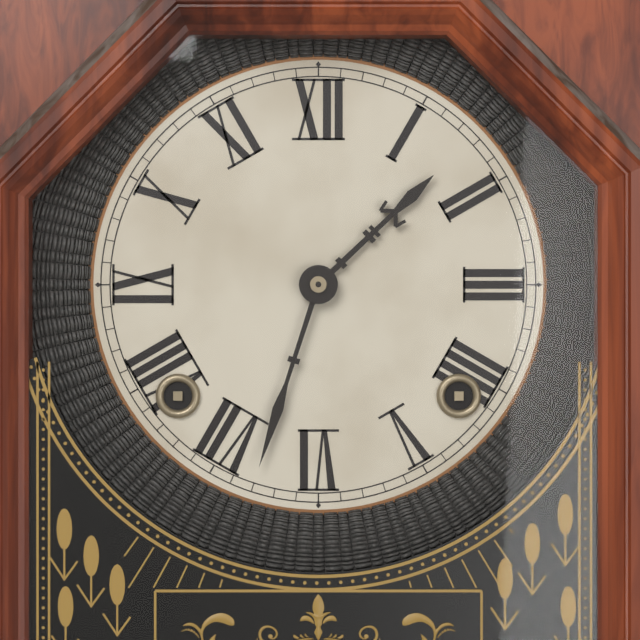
1:33
